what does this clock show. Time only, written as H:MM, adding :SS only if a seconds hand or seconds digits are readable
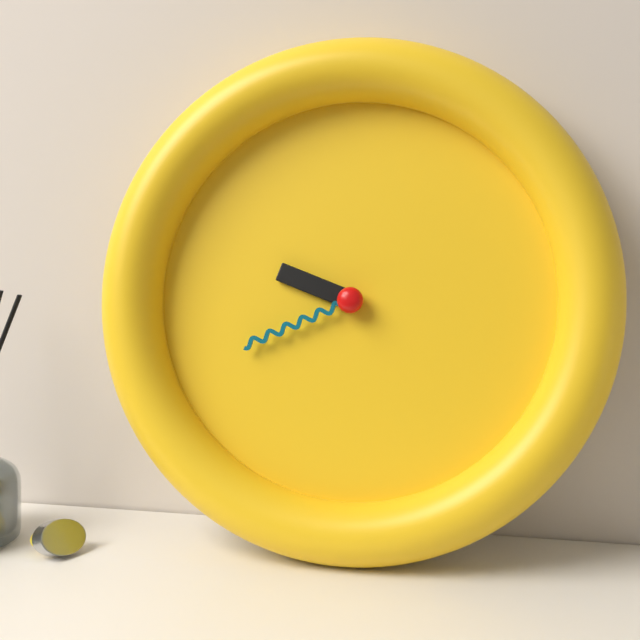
9:41
